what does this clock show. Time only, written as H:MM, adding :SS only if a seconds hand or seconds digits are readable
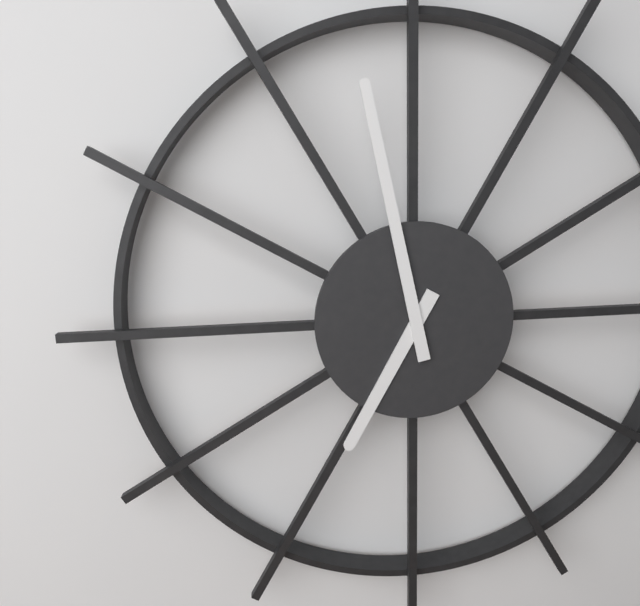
6:58
